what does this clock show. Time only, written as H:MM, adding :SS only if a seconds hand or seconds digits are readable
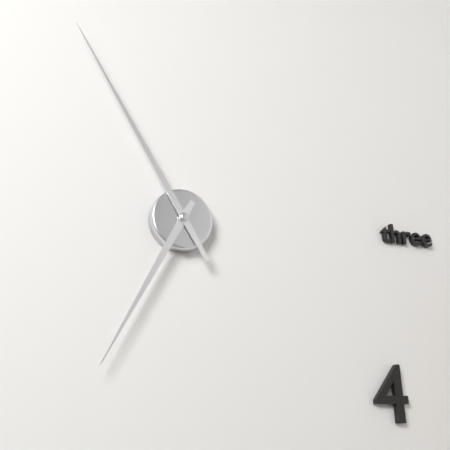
6:55
